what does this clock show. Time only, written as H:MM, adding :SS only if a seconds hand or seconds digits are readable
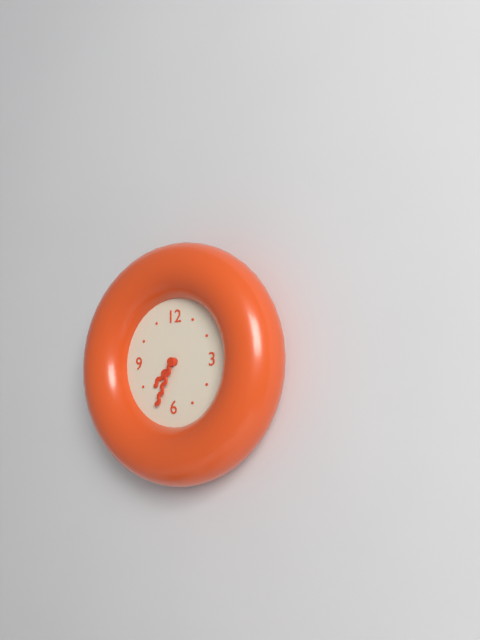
7:34
